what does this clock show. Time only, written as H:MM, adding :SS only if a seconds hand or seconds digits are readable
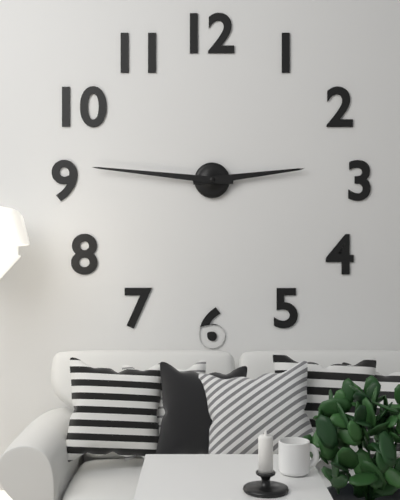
2:46
